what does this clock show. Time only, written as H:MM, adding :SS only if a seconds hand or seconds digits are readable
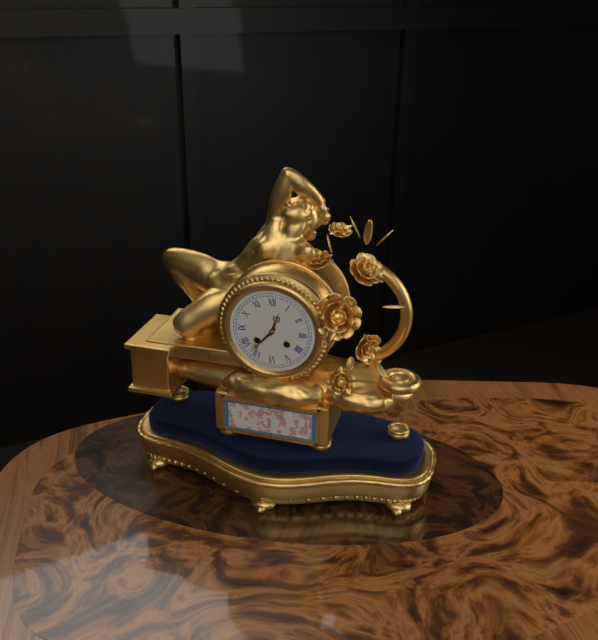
12:37
